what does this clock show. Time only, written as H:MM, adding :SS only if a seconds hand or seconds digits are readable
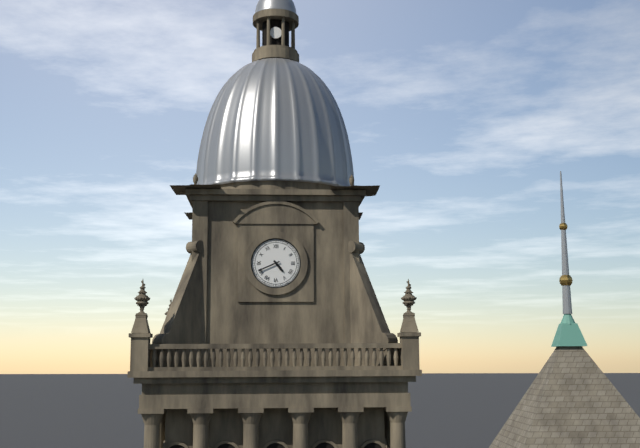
4:41
